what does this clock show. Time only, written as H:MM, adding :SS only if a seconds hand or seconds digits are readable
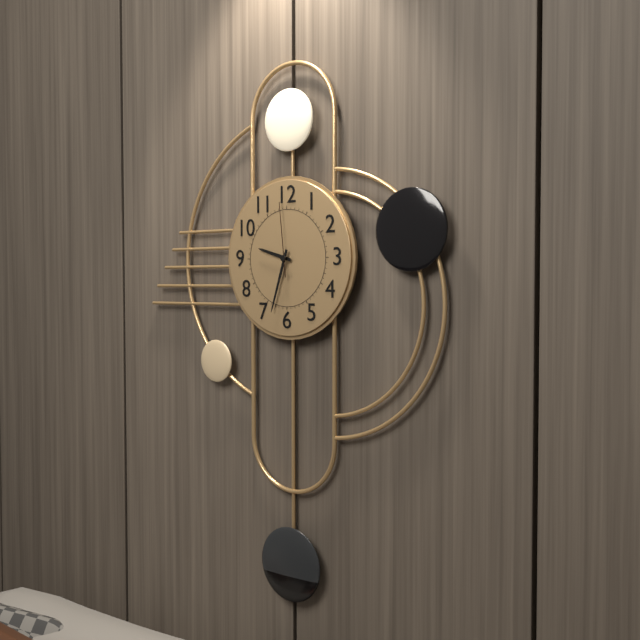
9:33:59
